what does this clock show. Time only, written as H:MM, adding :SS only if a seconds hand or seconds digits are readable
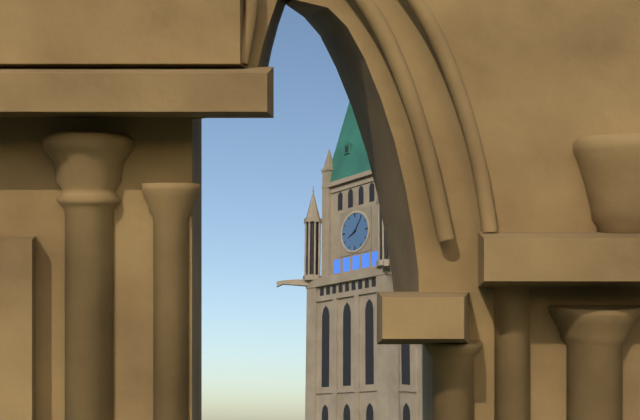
8:06
